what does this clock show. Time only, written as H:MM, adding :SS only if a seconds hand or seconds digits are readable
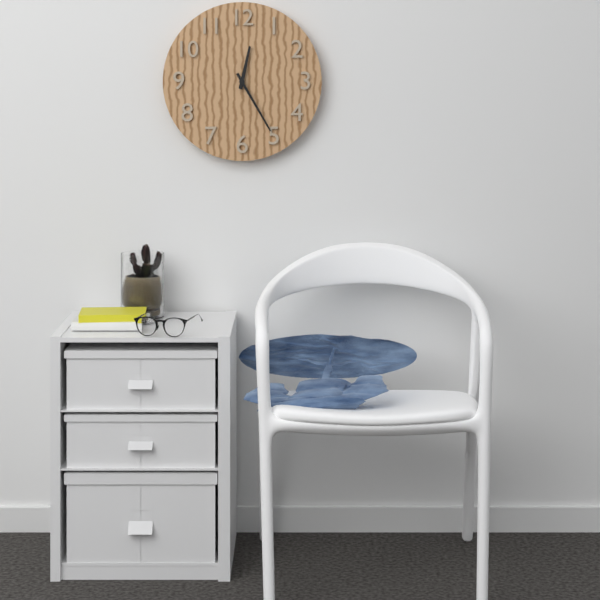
12:25
